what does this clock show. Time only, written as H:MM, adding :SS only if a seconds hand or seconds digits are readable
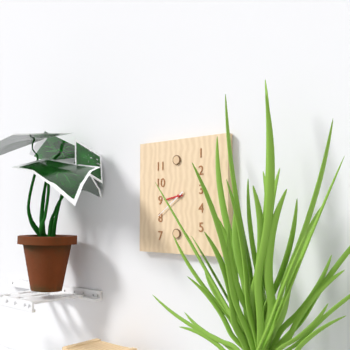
8:39
